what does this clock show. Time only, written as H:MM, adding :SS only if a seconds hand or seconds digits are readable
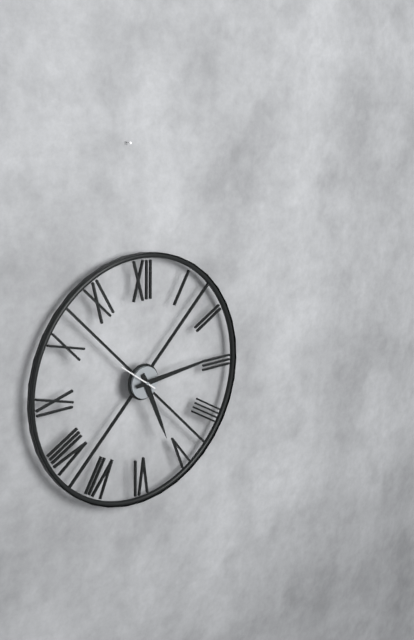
5:14
